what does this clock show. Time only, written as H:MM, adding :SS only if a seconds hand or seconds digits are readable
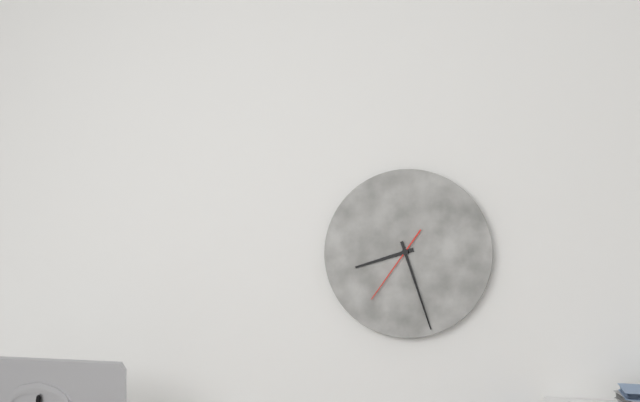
8:27:36
